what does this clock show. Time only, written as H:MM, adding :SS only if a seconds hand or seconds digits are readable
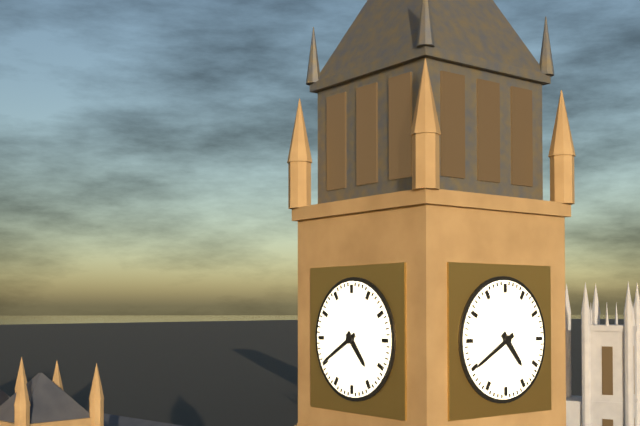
4:40
